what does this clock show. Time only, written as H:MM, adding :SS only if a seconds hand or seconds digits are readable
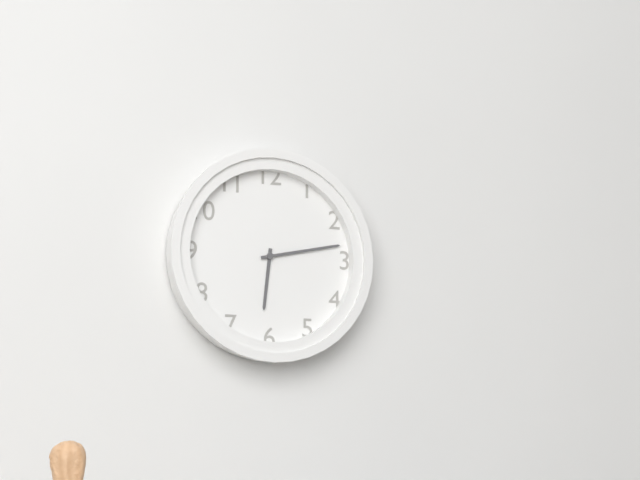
6:13
